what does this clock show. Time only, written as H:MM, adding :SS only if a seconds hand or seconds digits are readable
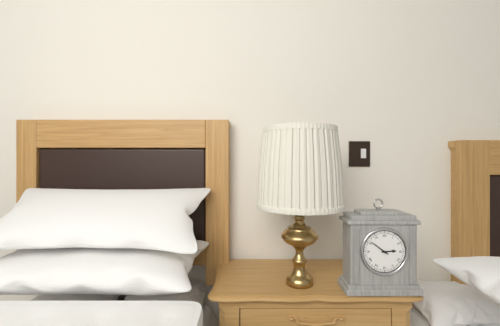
2:51
